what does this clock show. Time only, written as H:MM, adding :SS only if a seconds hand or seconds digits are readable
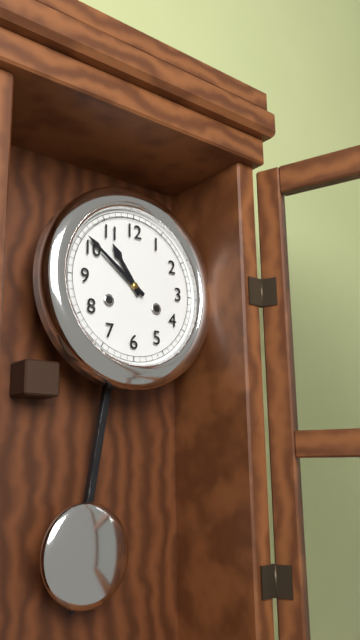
10:51
